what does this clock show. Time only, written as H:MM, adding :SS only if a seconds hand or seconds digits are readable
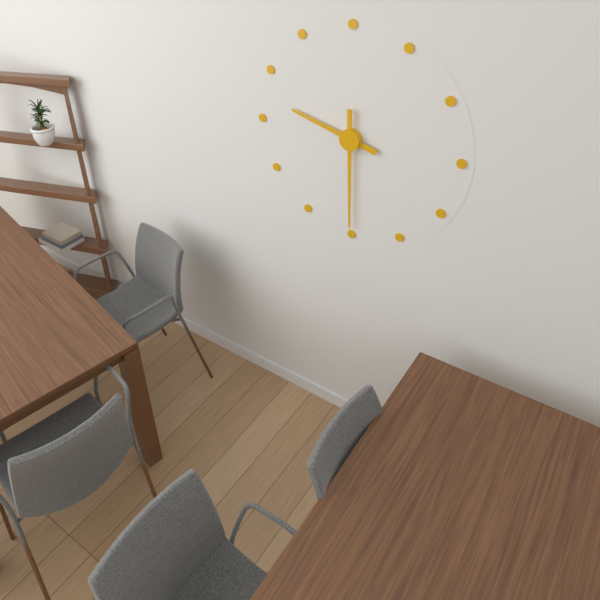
9:30
